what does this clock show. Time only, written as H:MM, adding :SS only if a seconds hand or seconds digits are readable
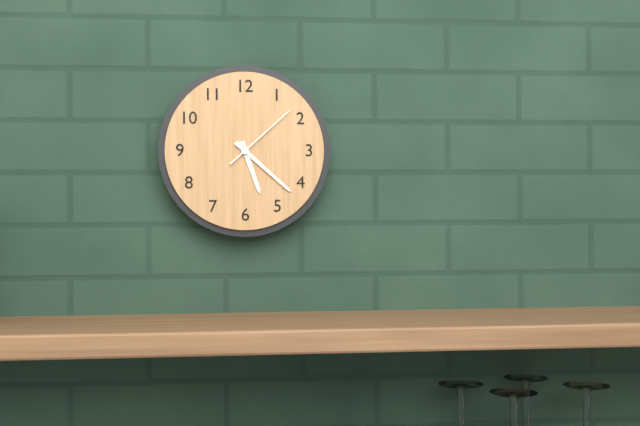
5:22:08
